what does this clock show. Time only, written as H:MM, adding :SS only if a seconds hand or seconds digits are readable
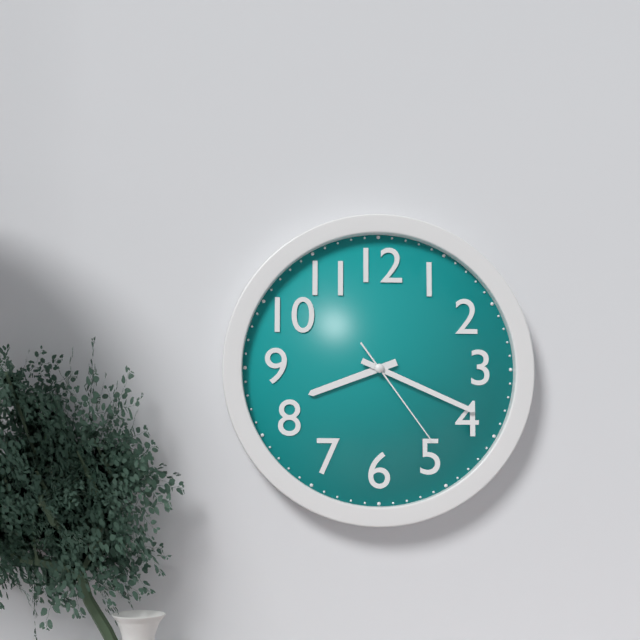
8:19:24
